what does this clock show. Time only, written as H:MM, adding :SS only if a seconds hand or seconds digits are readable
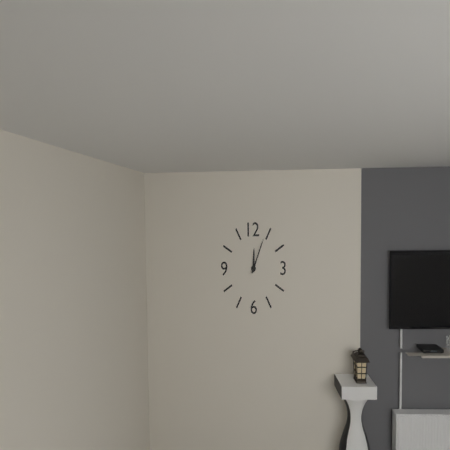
12:04
